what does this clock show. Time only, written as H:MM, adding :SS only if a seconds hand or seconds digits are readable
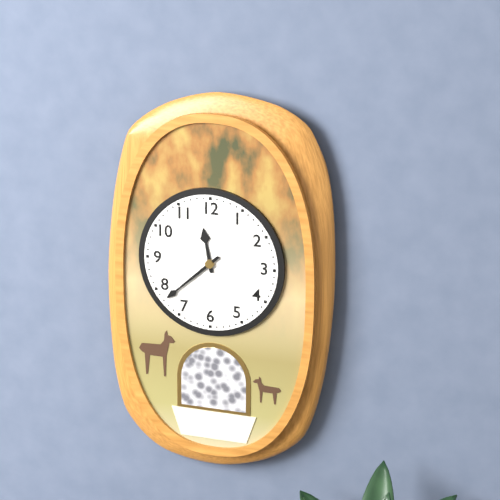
11:38
